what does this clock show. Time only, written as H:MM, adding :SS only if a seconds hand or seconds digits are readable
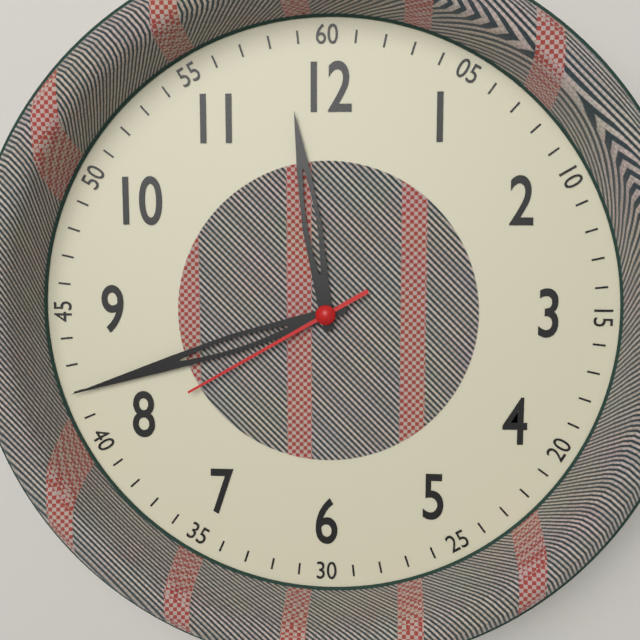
11:42:40
